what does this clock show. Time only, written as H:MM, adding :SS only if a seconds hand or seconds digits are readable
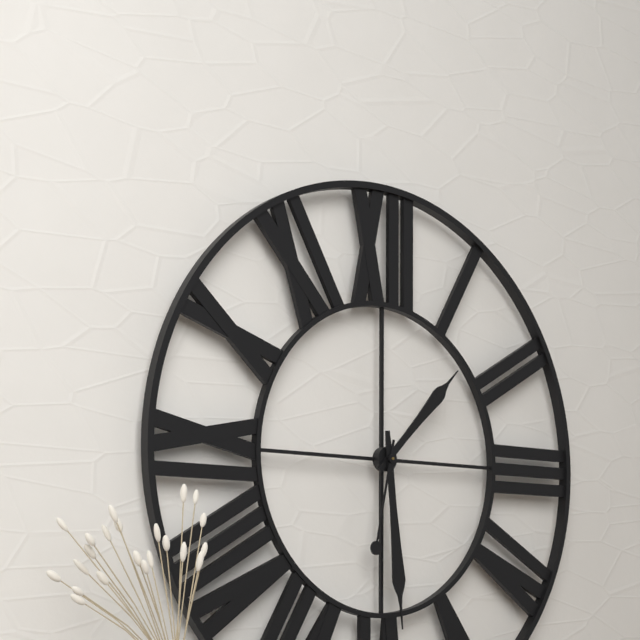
1:29:32
